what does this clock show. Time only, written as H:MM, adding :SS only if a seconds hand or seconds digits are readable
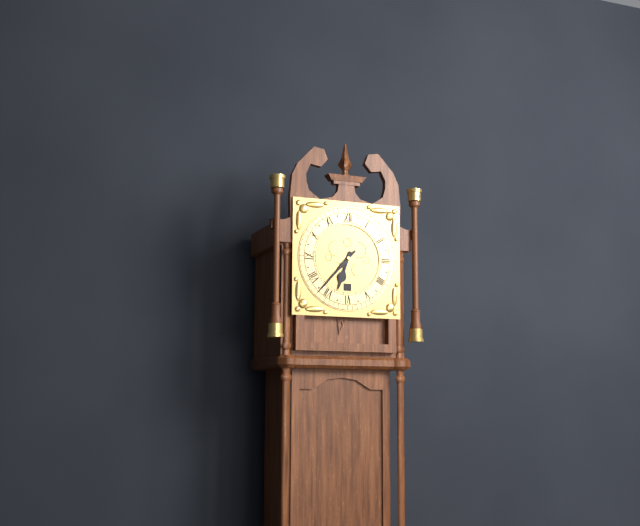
6:37
